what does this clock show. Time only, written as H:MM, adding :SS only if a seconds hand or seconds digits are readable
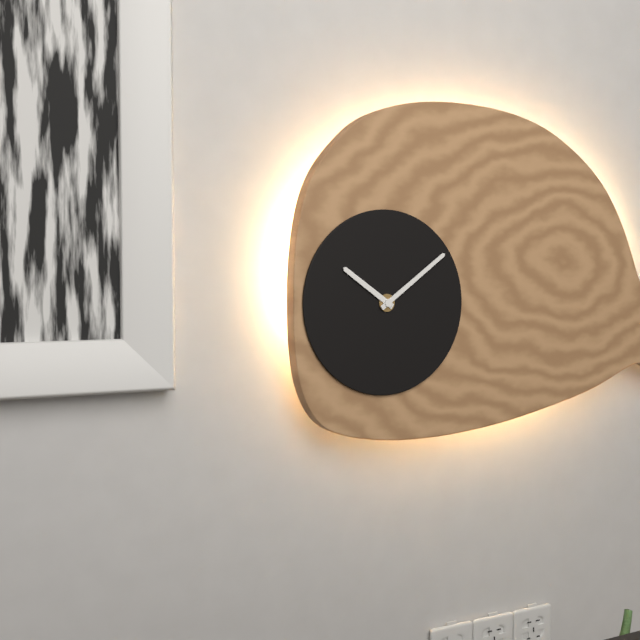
10:09
